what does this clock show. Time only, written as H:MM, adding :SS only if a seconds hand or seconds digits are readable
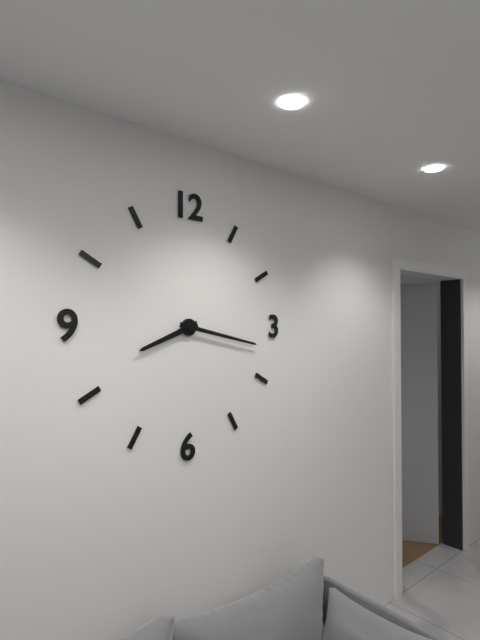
8:17
